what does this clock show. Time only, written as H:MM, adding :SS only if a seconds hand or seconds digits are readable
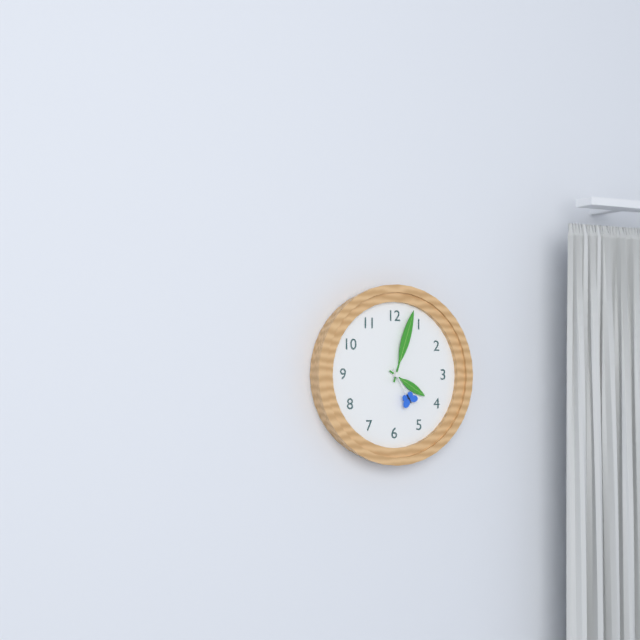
4:03
